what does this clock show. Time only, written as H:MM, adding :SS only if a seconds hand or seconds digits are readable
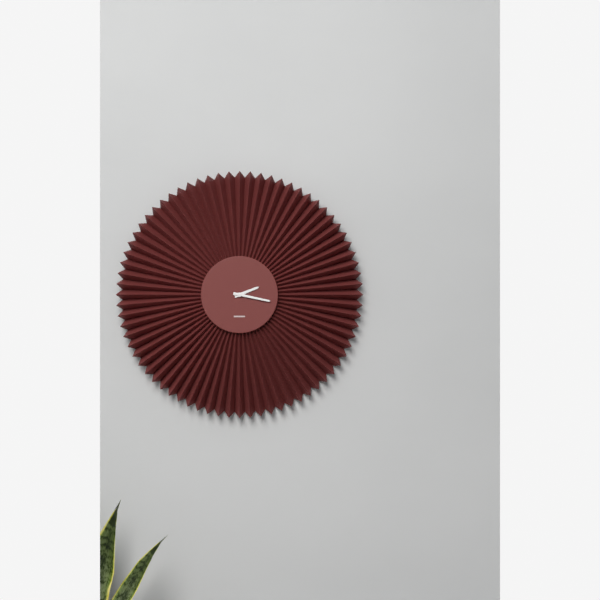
2:17
